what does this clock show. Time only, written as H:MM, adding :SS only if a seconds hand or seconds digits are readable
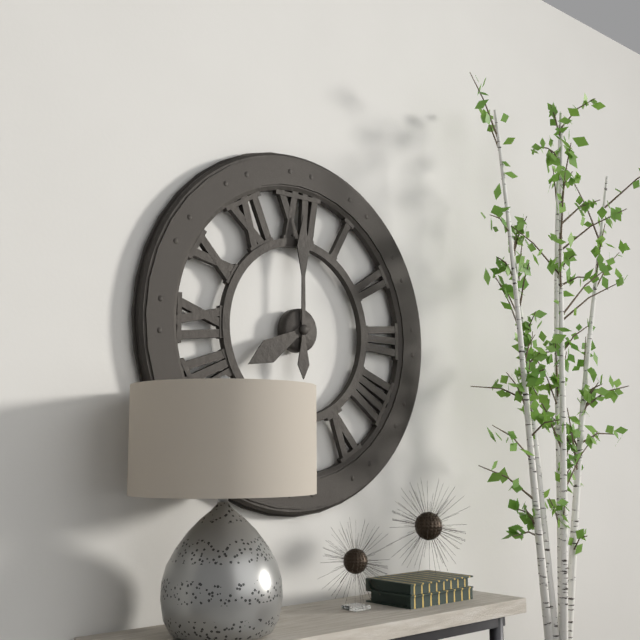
8:00
